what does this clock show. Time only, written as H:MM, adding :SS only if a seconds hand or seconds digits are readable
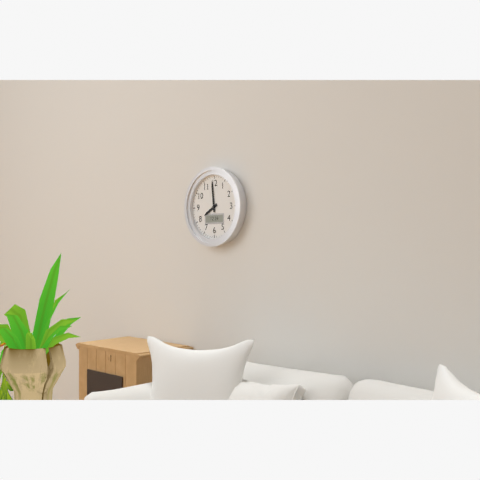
7:59
